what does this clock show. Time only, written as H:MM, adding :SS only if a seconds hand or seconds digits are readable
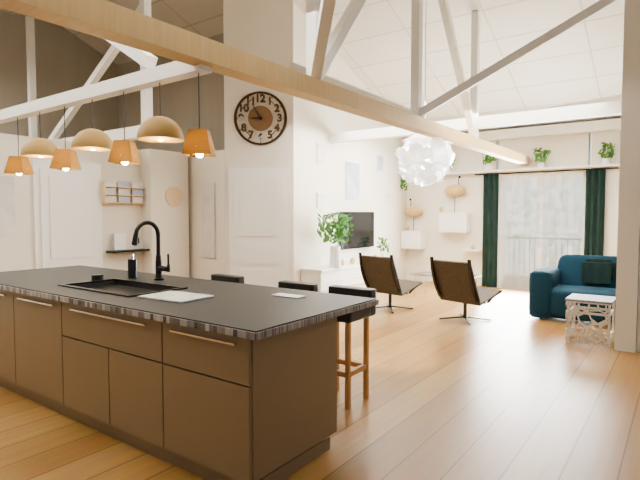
8:55
